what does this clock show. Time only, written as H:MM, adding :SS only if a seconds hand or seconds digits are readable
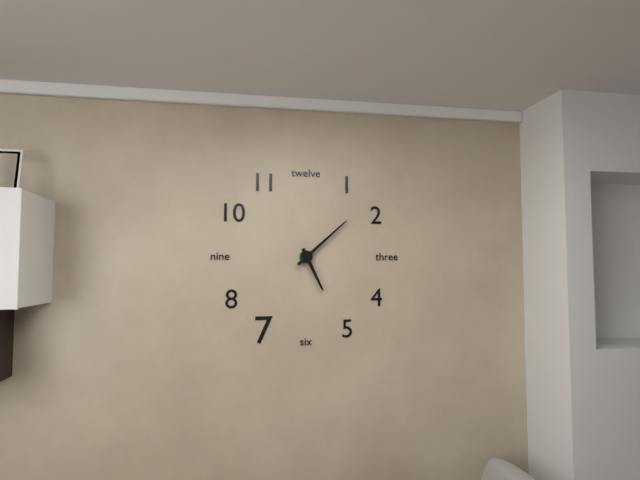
5:08
